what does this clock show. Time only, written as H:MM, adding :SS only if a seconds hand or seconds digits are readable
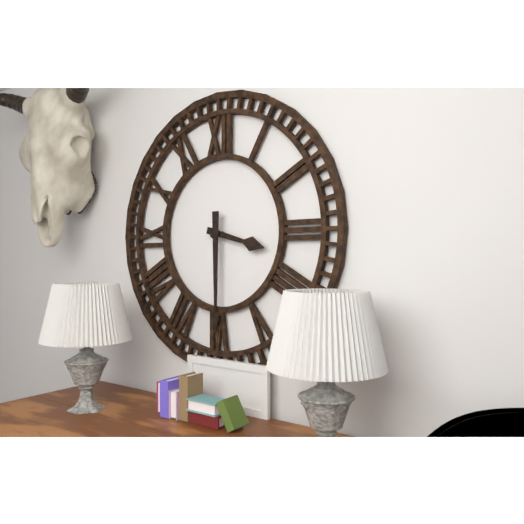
3:30
